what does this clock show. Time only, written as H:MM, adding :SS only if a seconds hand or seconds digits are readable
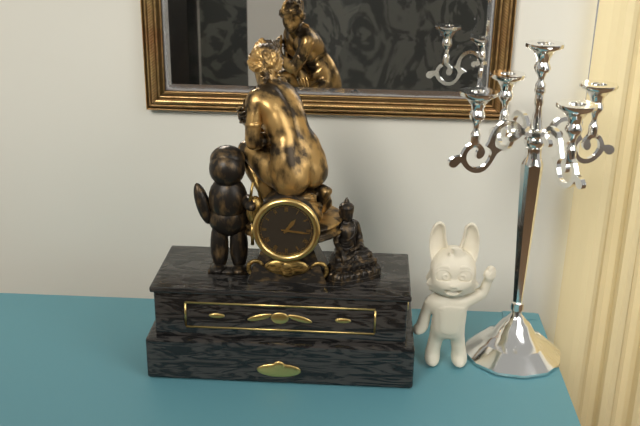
1:16
